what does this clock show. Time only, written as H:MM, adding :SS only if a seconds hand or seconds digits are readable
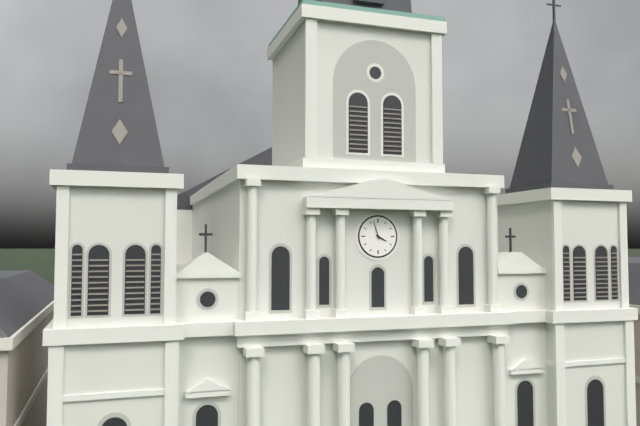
3:57
